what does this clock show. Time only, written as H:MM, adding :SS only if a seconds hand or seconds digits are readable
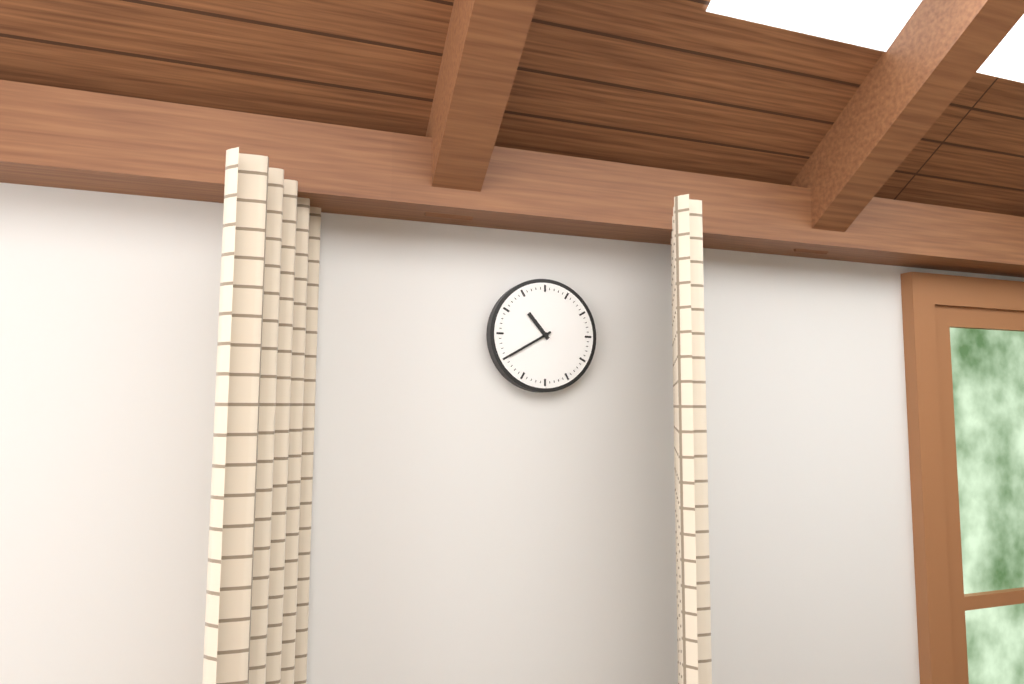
10:40
